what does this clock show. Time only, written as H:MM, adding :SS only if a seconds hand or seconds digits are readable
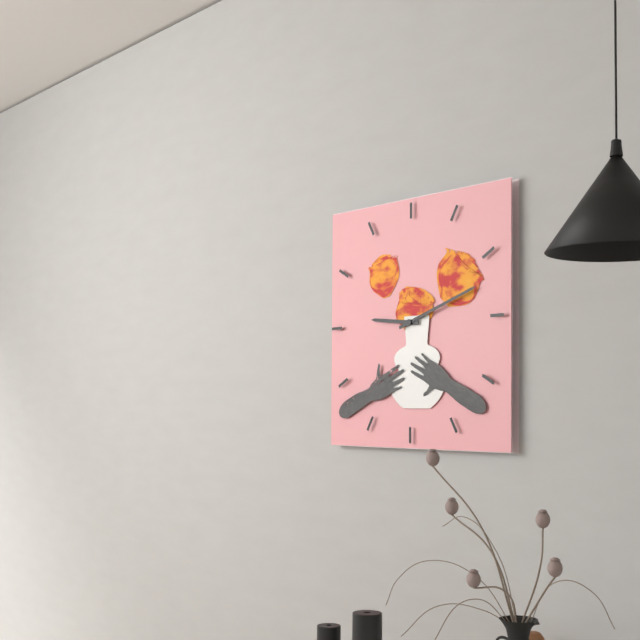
9:12
